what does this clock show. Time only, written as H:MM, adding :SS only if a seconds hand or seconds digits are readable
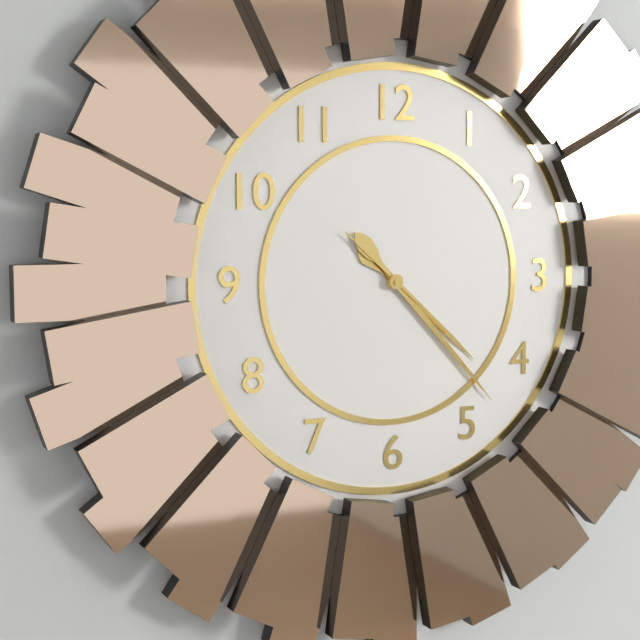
4:23:22
